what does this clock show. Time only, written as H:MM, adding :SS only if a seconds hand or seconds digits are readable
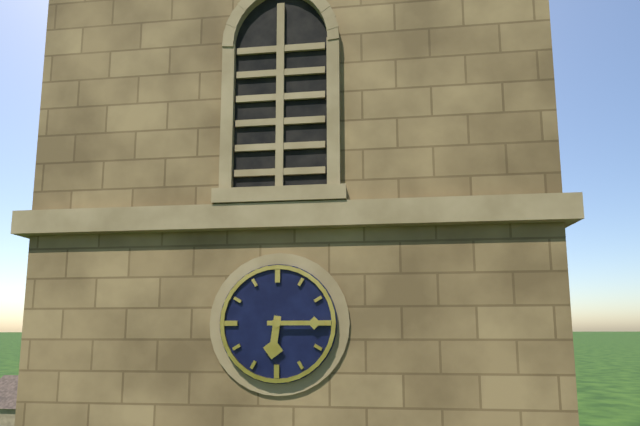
6:15
